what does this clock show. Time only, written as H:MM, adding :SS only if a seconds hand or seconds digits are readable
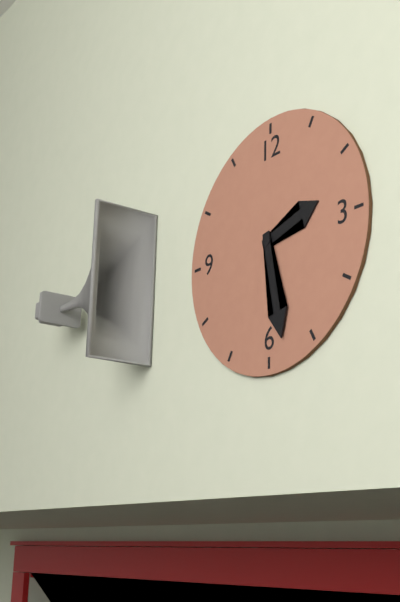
2:28
